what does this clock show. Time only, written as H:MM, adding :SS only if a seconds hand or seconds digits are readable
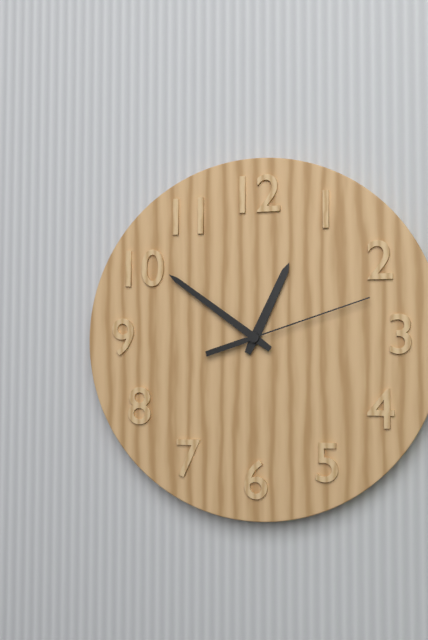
12:51:12
